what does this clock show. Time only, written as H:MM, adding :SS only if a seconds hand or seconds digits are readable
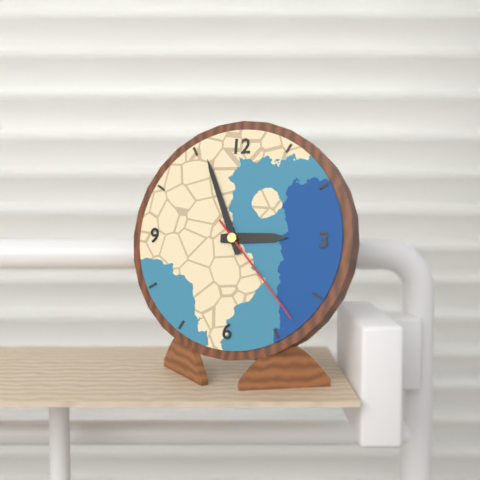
2:56:23
